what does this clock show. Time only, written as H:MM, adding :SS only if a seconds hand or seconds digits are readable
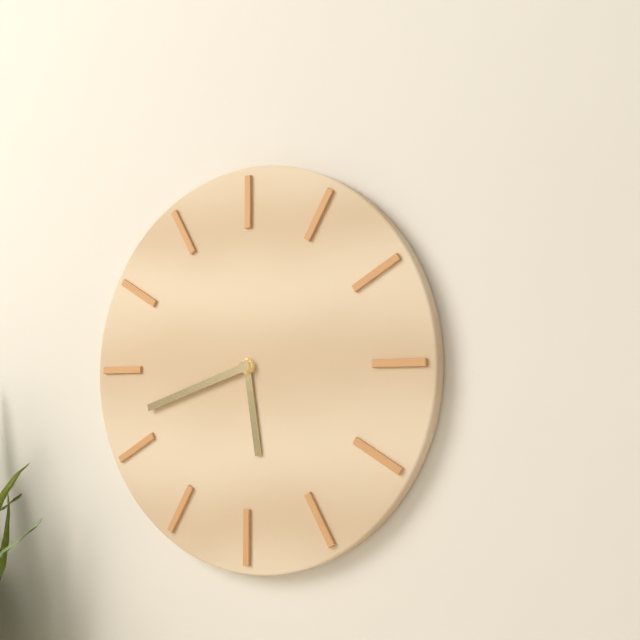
5:42
